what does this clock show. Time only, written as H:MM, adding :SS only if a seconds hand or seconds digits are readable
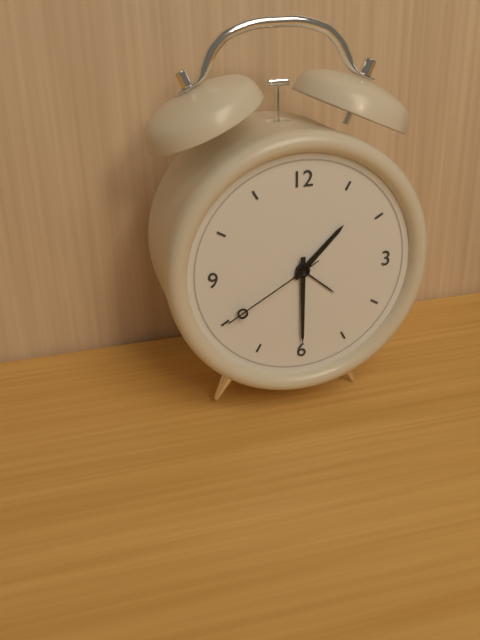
1:30:40
